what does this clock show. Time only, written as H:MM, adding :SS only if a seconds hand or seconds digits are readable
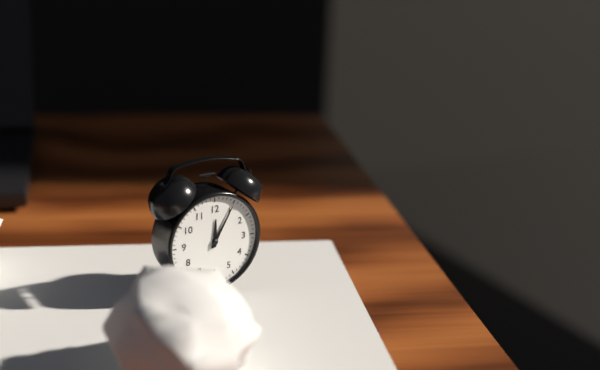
12:05
